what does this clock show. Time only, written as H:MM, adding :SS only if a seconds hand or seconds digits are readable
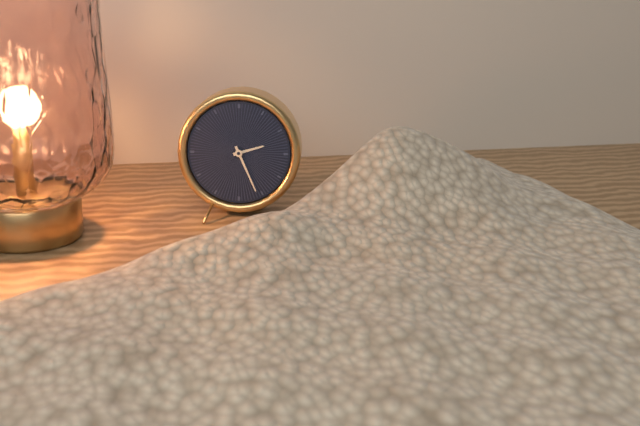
2:26
